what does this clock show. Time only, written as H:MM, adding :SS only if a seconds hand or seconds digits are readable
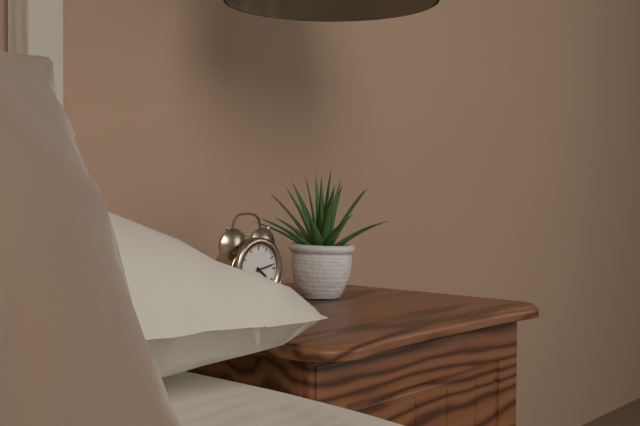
4:13
